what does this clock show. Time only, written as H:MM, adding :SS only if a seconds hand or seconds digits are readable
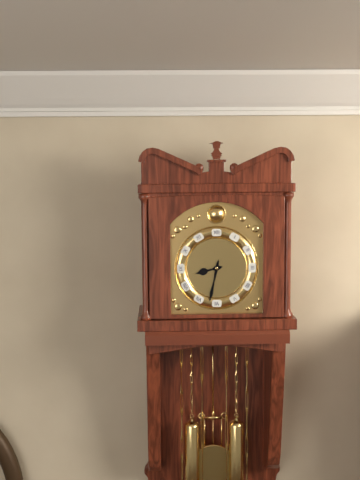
8:32
